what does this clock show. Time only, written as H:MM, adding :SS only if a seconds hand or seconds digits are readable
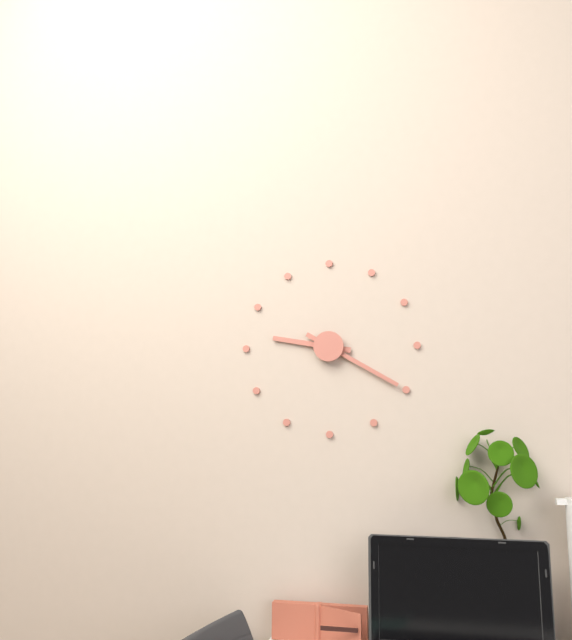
9:20
